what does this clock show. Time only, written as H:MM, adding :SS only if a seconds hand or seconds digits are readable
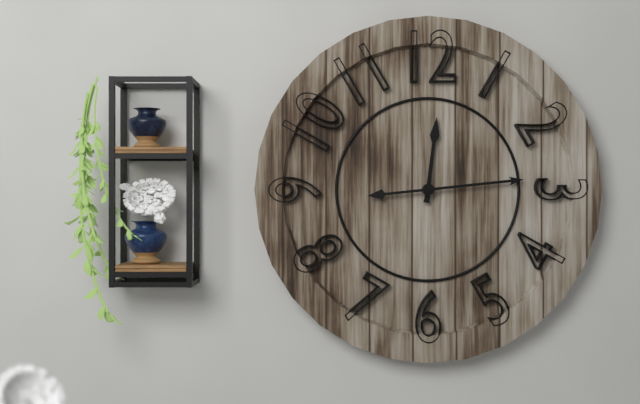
12:14
